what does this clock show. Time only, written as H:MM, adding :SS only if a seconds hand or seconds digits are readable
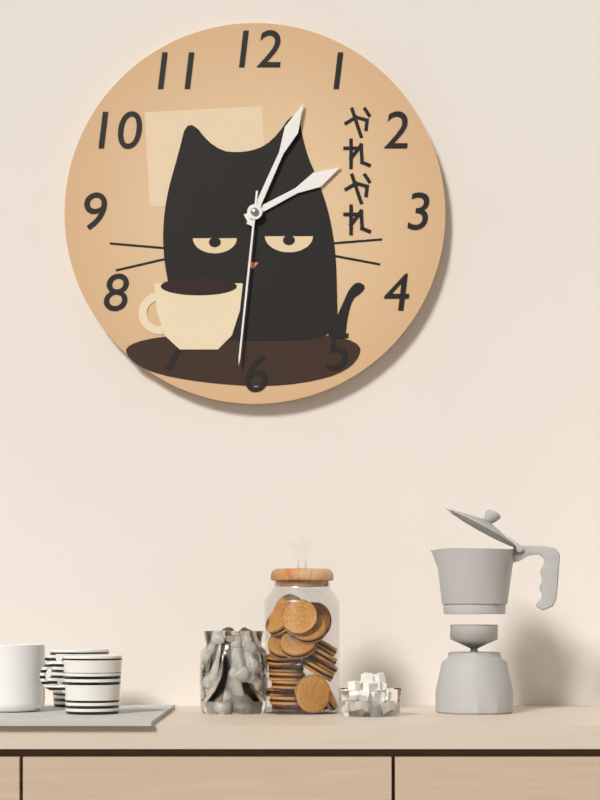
2:04:31
